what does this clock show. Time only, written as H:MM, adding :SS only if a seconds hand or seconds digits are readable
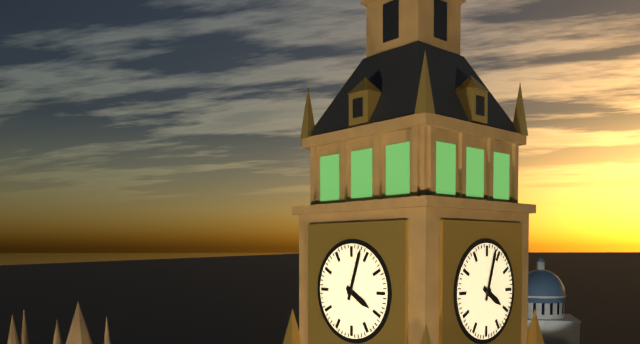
4:03
